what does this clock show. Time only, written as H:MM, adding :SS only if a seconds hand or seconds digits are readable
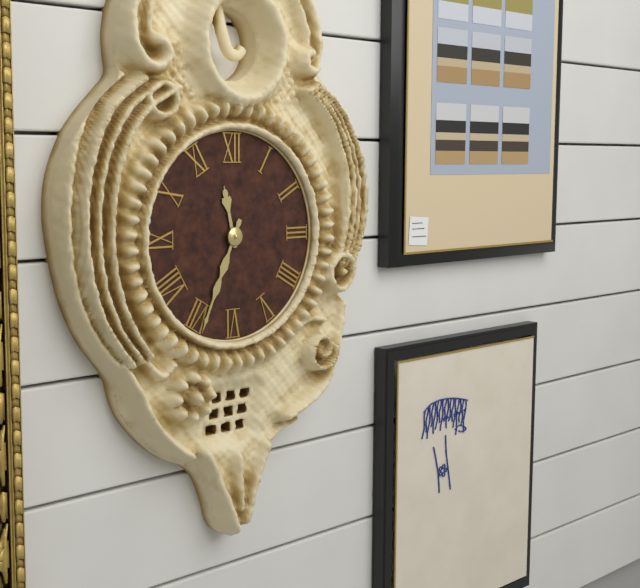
11:34
